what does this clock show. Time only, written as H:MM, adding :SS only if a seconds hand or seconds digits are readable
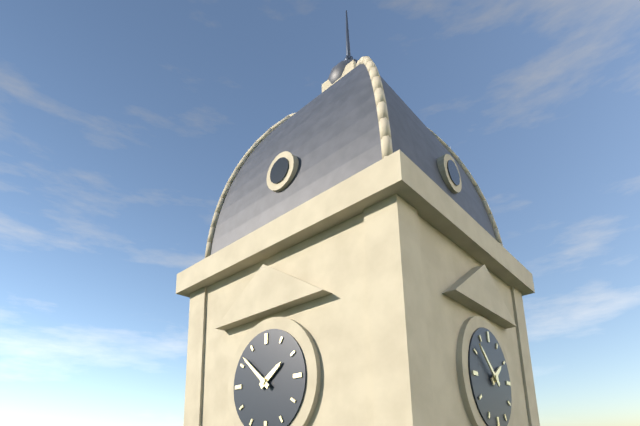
1:52
